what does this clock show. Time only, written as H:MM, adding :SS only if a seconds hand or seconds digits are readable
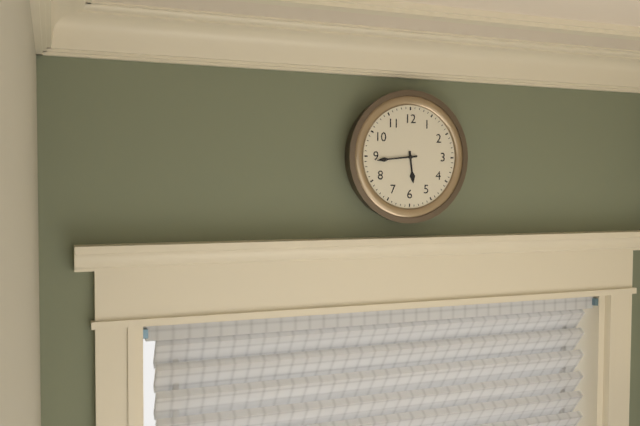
5:44
